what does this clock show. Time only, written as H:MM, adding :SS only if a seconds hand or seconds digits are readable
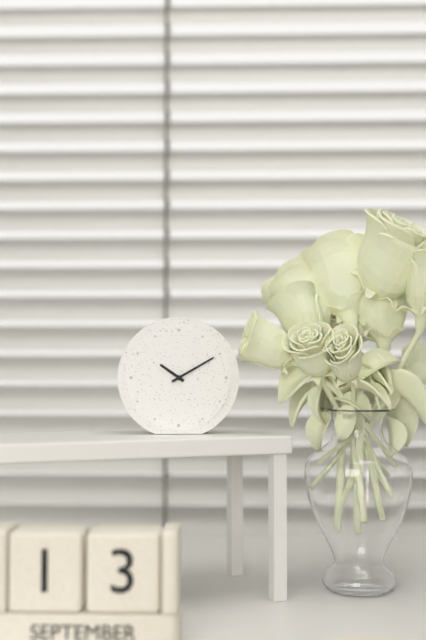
10:10
